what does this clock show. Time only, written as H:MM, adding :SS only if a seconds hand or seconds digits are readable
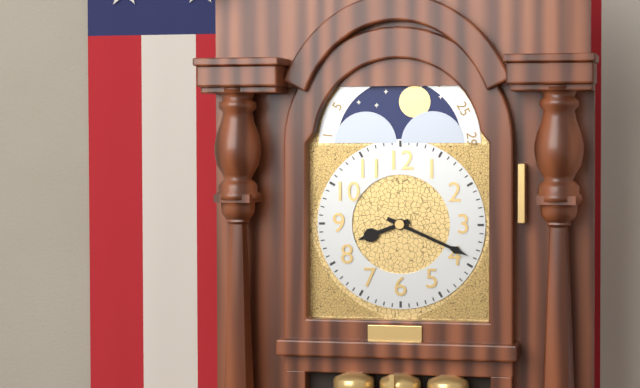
8:19
